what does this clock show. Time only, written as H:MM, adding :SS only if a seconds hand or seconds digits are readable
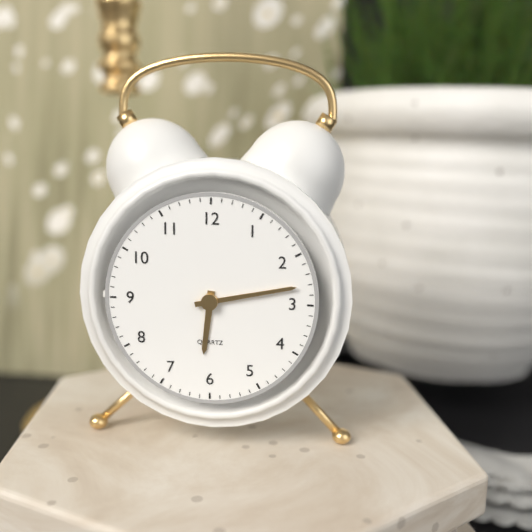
6:13
